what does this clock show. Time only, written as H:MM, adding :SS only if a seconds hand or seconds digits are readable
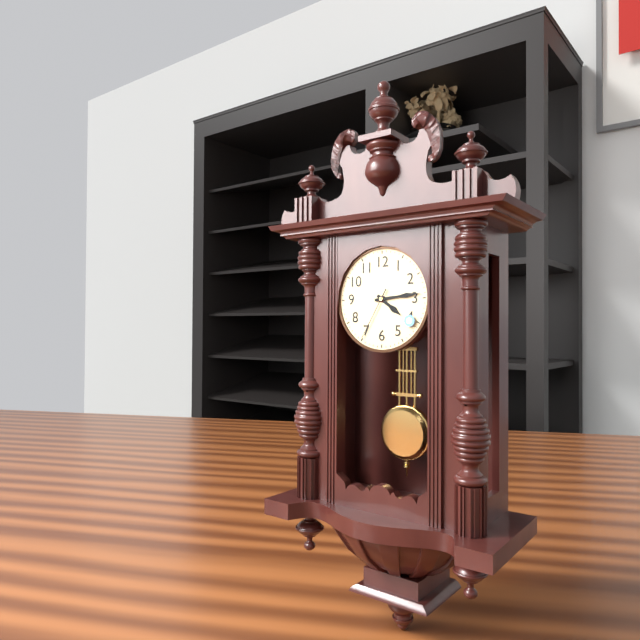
4:14:35
